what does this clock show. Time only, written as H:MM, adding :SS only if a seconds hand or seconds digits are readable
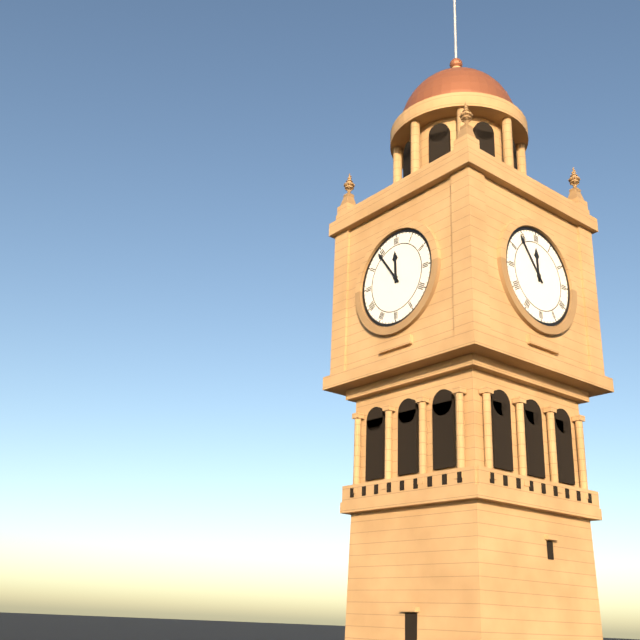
11:54
